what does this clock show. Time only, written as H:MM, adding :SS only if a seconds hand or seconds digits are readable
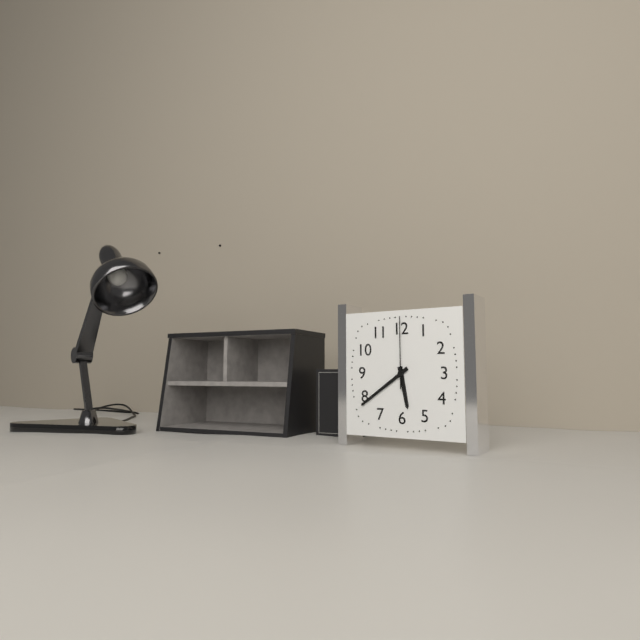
5:39:00
